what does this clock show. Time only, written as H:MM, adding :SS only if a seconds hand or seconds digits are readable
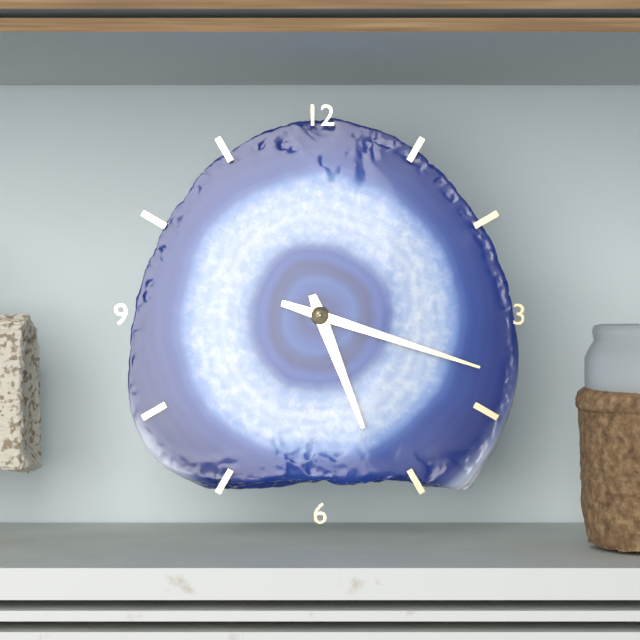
5:18
